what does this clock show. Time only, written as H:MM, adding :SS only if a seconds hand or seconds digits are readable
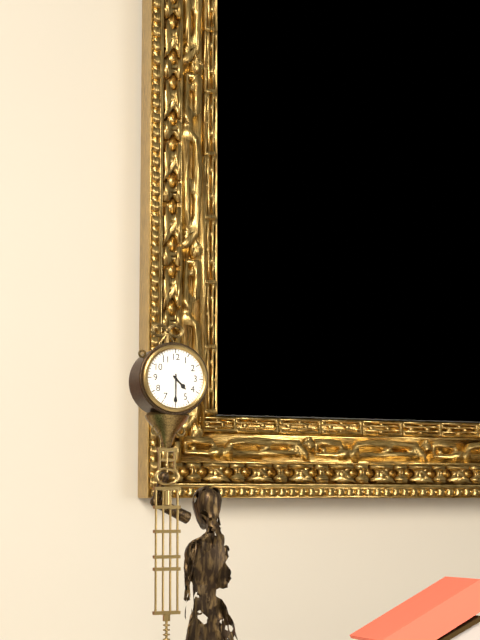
4:30
